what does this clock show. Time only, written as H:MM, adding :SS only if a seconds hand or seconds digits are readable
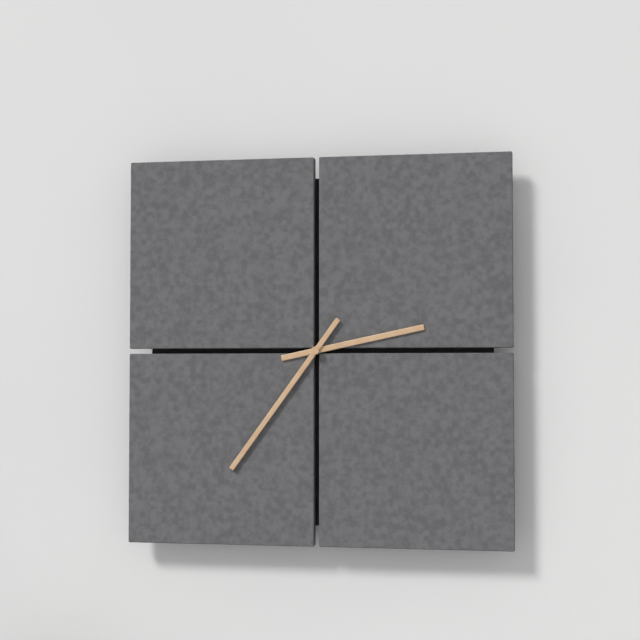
2:36
